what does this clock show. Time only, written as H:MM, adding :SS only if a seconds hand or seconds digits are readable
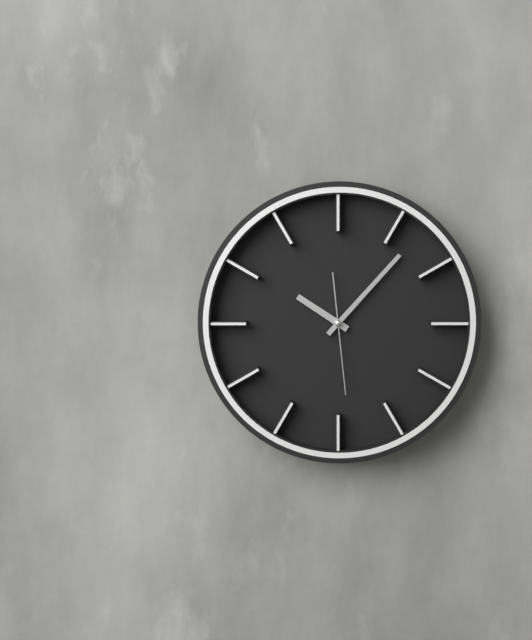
10:07:29
